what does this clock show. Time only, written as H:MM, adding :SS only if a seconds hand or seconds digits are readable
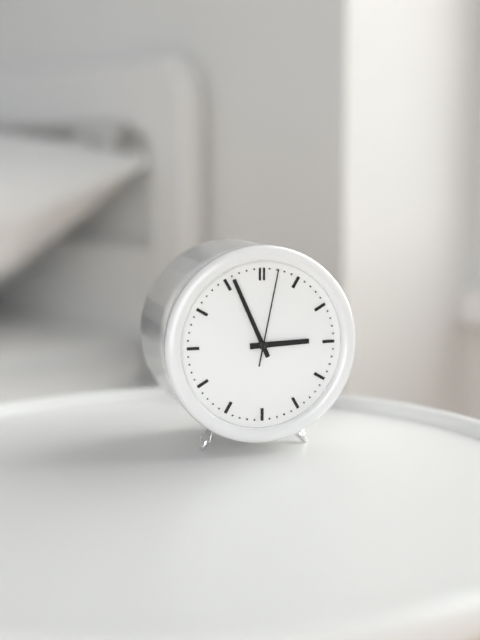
2:56:02
